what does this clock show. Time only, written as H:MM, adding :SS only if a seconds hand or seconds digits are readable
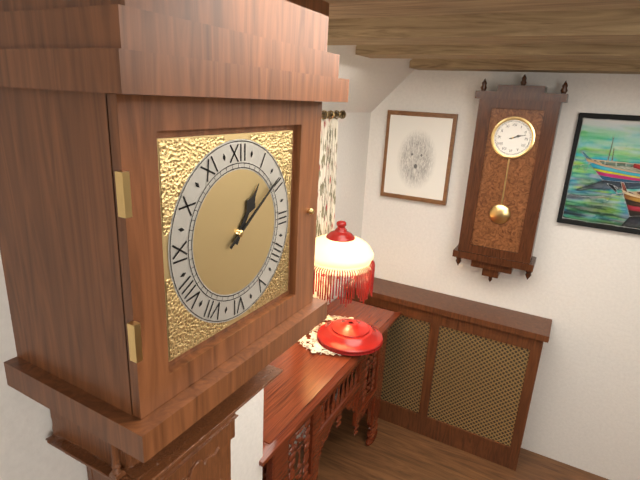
1:09
